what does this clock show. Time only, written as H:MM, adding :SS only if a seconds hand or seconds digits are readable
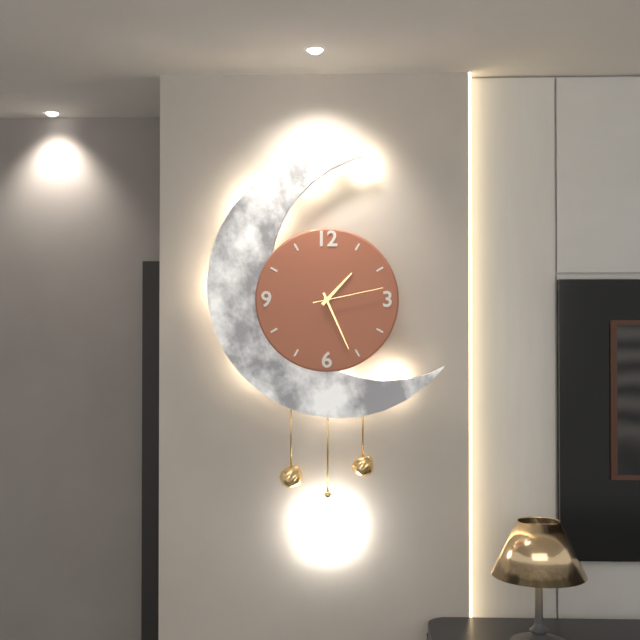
1:26:13
